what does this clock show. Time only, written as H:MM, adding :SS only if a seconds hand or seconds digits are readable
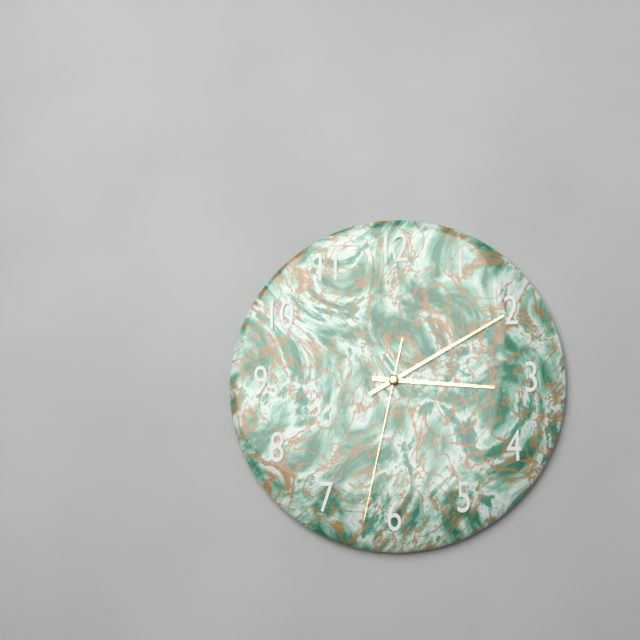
3:10:32
